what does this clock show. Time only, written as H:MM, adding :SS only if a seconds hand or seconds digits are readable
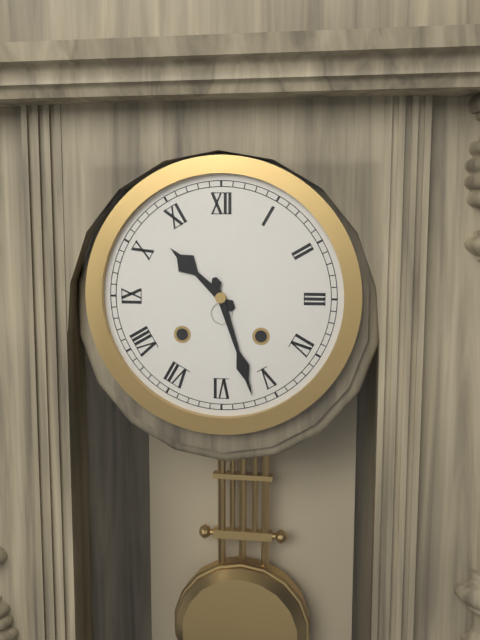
10:27
